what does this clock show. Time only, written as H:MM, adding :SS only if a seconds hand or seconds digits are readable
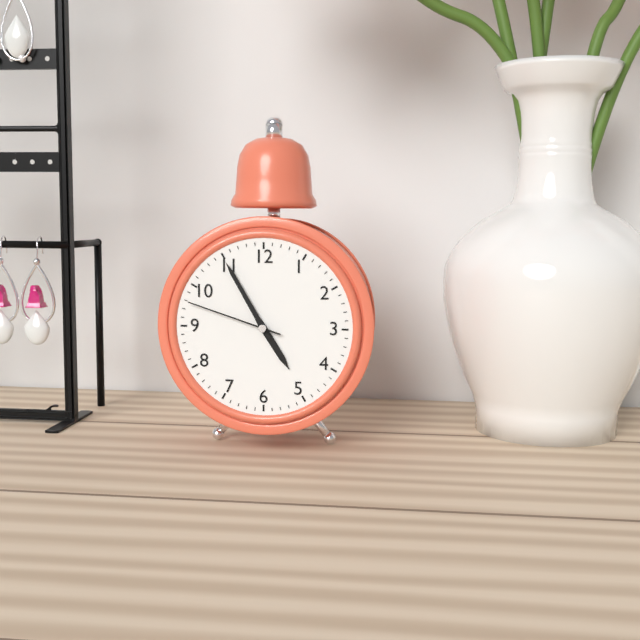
4:55:48
